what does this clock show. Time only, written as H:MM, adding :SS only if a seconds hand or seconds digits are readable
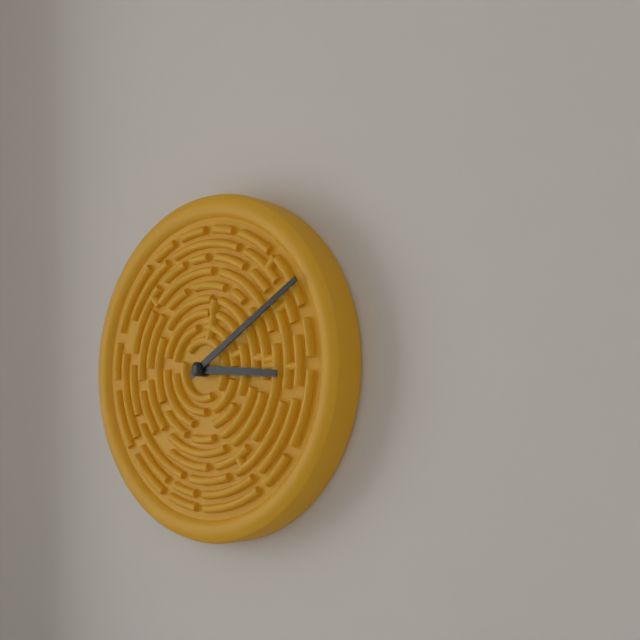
3:10
